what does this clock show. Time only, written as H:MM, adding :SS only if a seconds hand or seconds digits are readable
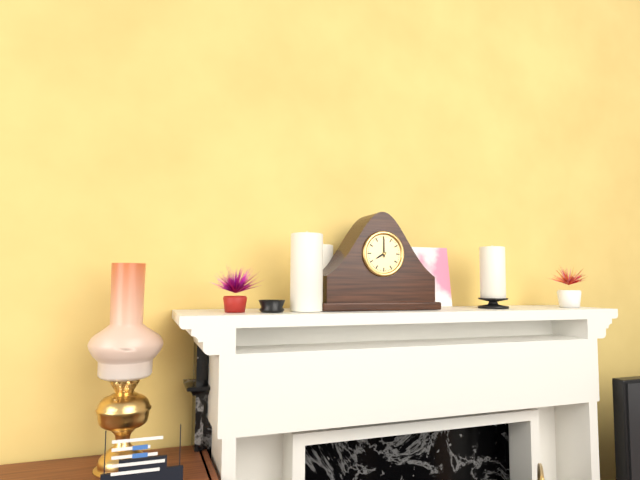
8:00
